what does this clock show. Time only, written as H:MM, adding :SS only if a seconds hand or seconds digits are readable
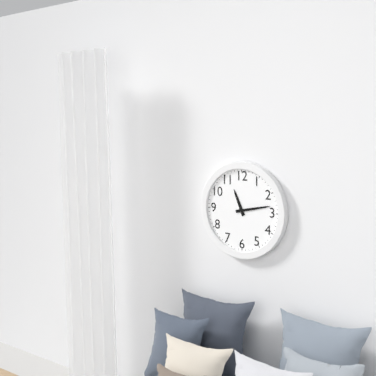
11:13
